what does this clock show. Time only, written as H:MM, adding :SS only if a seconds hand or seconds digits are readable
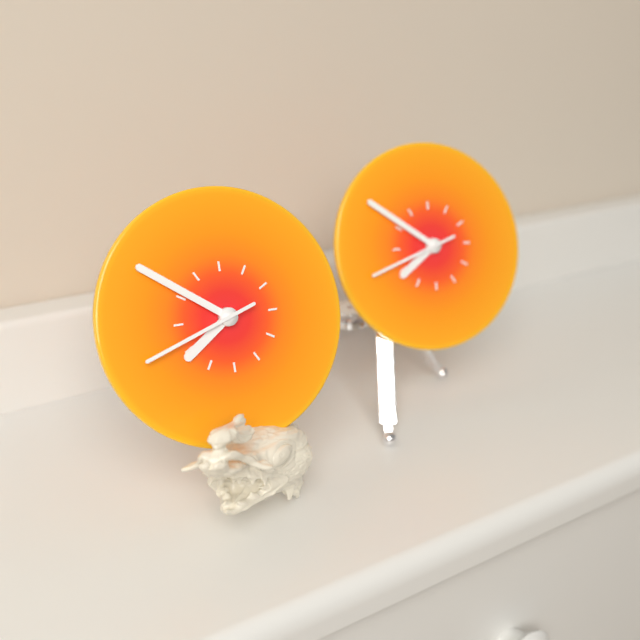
7:51:42
